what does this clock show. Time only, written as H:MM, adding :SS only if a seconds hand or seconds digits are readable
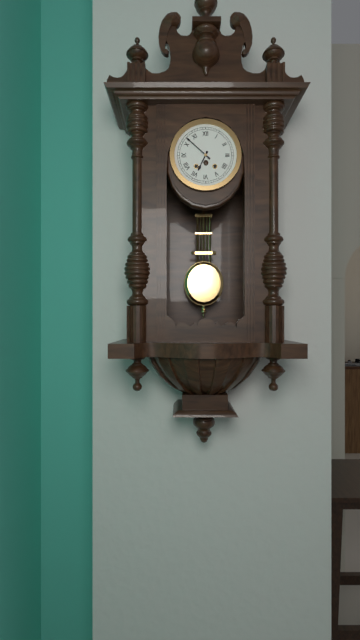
6:52
